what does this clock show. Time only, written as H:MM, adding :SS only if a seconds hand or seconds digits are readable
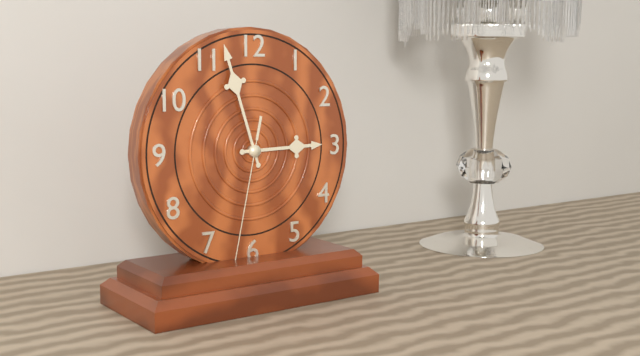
2:57:32
